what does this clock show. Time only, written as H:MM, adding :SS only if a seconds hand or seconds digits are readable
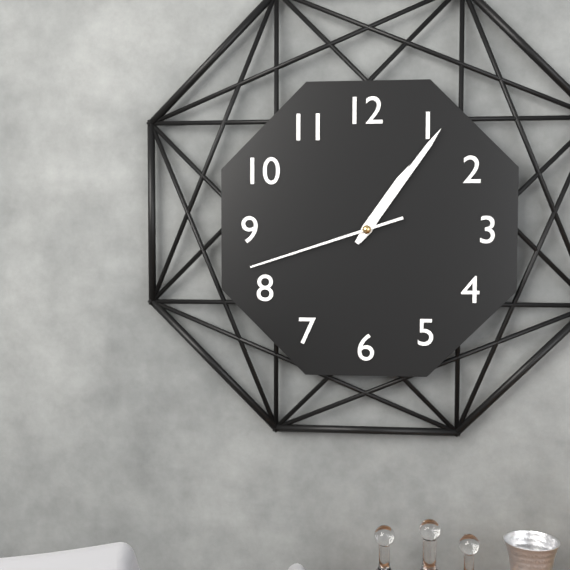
1:06:42
